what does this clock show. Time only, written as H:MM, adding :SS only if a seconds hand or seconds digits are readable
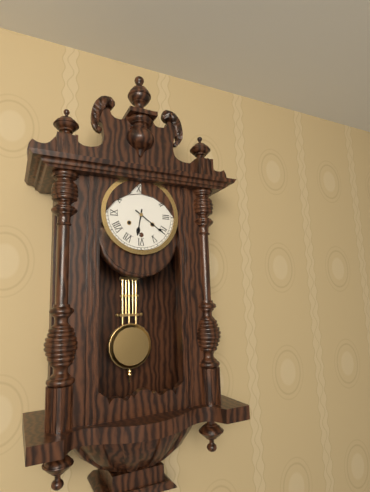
6:21
